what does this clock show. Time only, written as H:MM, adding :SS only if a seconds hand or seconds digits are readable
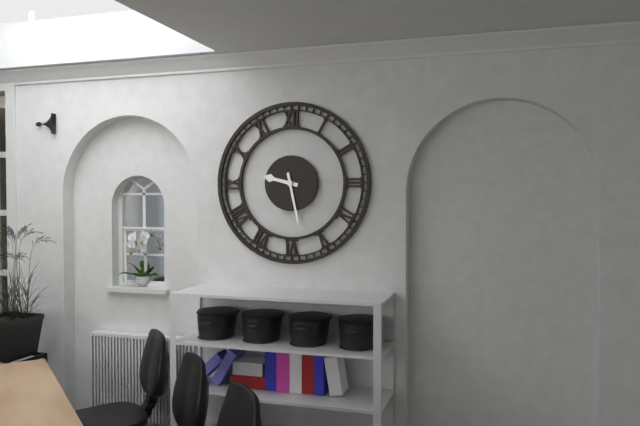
9:28
